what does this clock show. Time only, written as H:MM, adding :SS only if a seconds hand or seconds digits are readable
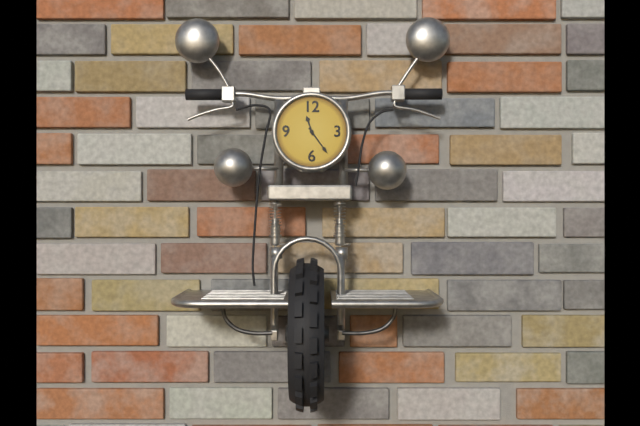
11:24
